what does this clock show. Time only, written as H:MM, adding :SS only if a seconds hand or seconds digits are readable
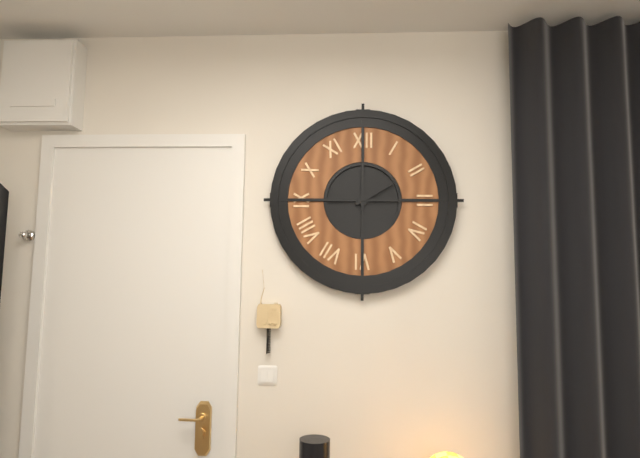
2:00
